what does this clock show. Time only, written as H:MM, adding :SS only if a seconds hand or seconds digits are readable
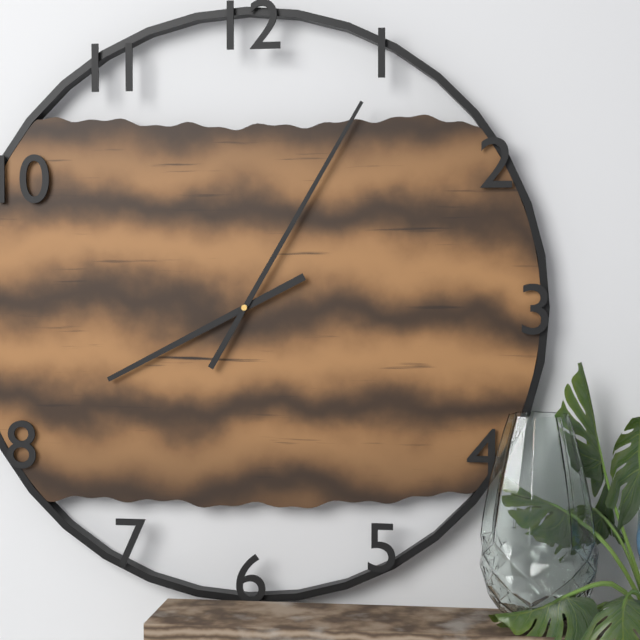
8:05
